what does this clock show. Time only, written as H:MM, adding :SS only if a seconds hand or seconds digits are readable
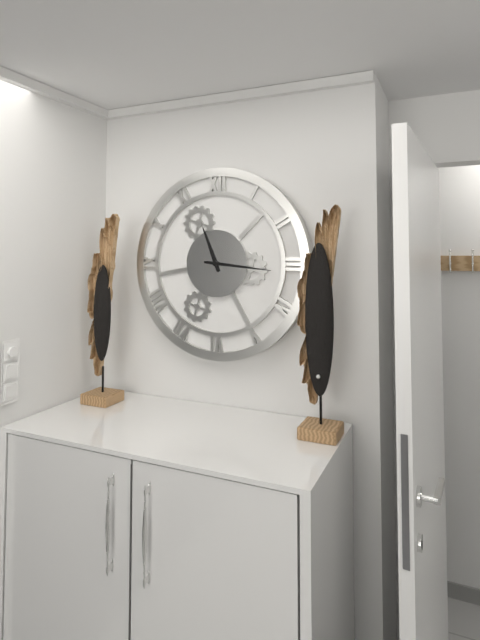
11:16
